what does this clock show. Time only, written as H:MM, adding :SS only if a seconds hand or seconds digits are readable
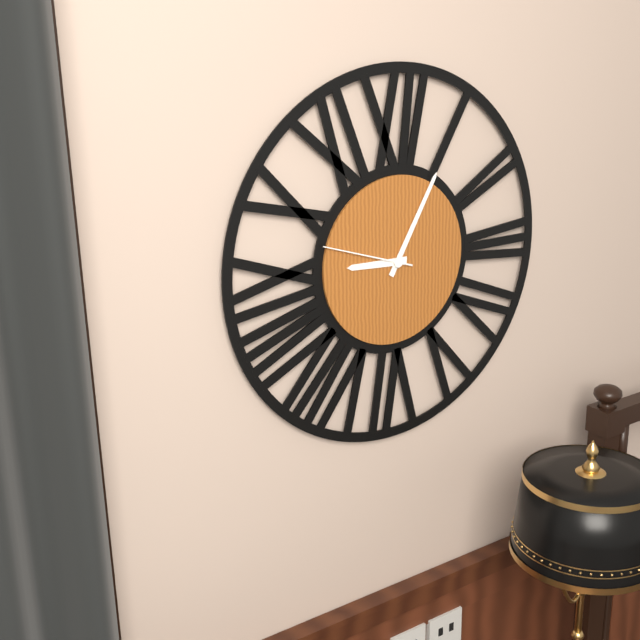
9:05:48
